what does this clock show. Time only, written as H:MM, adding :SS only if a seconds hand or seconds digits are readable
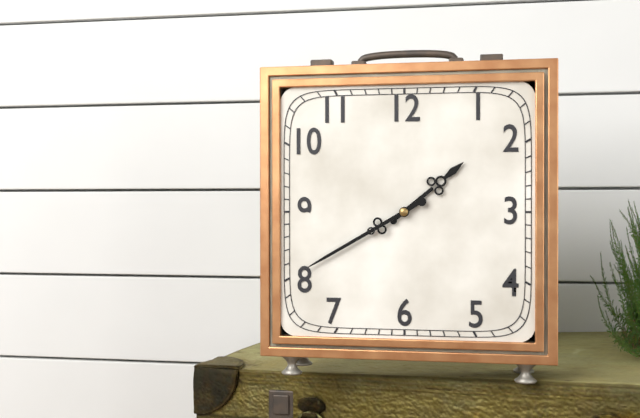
1:40
